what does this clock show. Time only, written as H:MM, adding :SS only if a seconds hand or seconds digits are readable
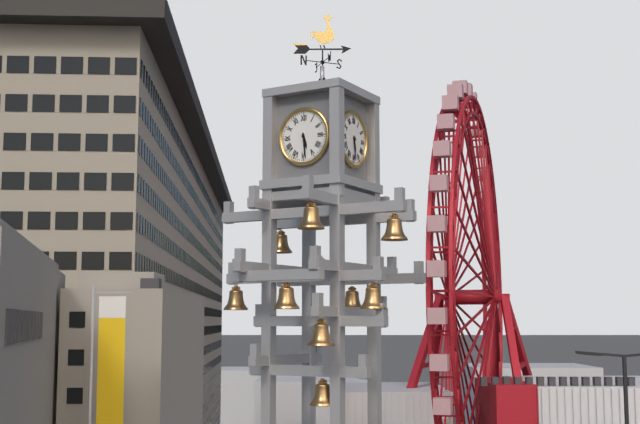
5:29
